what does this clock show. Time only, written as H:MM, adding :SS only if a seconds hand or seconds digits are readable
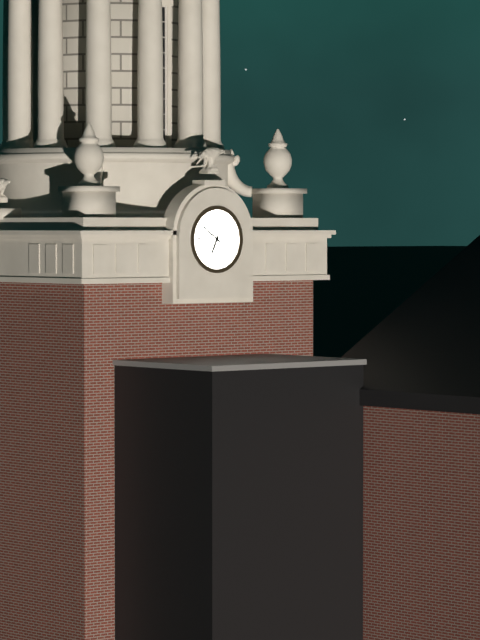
6:51
